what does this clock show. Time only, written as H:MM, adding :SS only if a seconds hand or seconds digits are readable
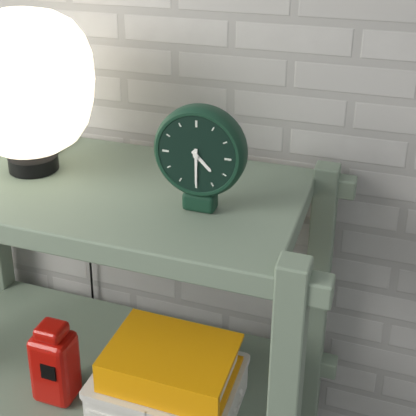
4:30
